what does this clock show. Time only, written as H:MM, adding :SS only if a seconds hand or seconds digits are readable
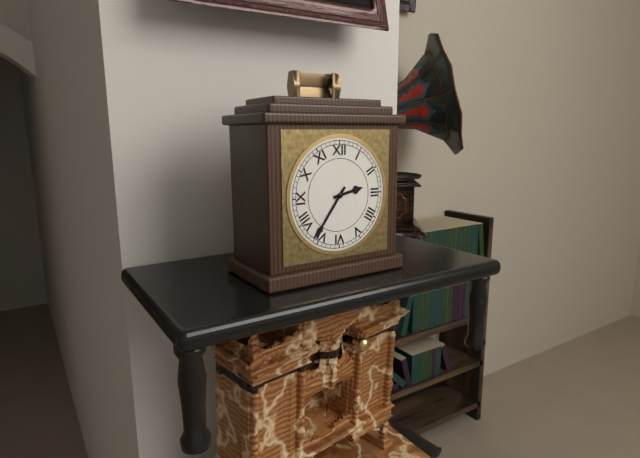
2:36
